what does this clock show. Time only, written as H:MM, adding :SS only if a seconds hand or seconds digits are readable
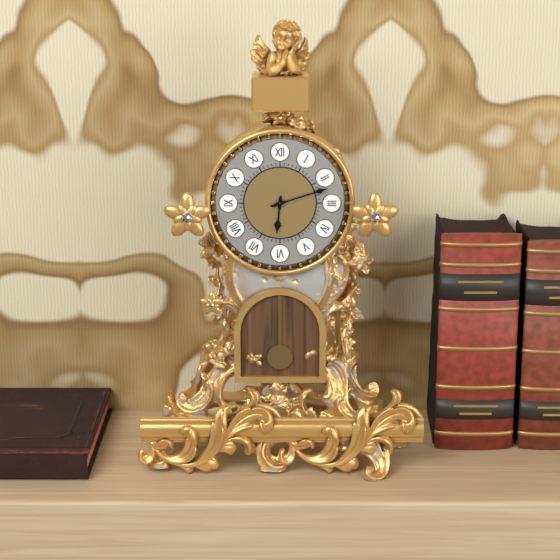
6:12
